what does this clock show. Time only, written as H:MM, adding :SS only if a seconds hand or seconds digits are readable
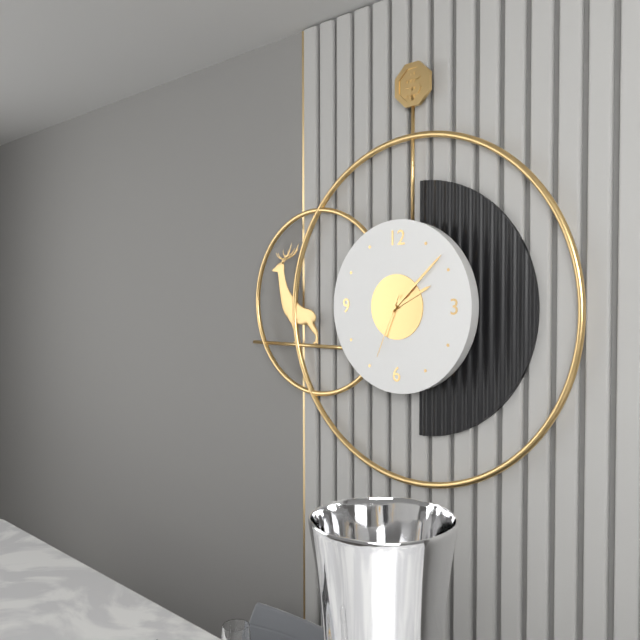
2:08:34
